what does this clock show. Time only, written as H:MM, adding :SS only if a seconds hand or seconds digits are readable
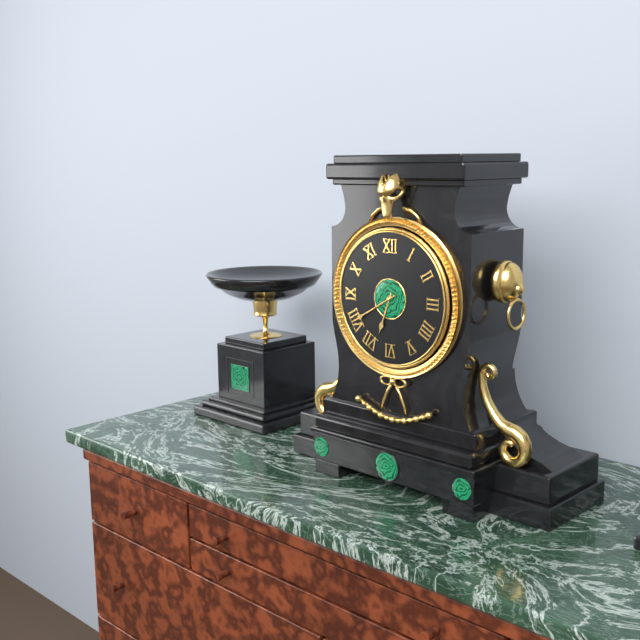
6:40
